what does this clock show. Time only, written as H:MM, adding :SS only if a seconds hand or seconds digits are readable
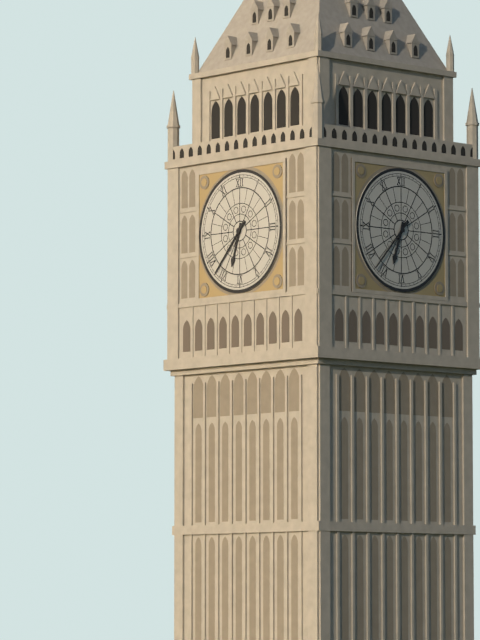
6:37
